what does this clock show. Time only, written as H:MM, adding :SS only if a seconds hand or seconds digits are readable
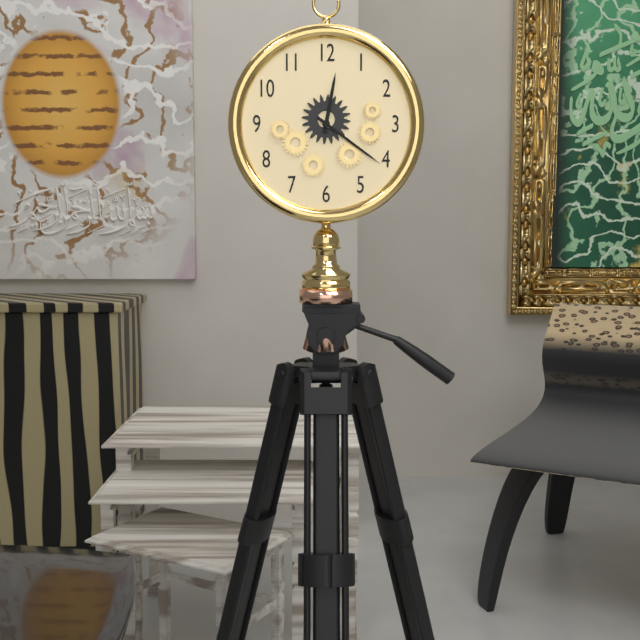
12:21
